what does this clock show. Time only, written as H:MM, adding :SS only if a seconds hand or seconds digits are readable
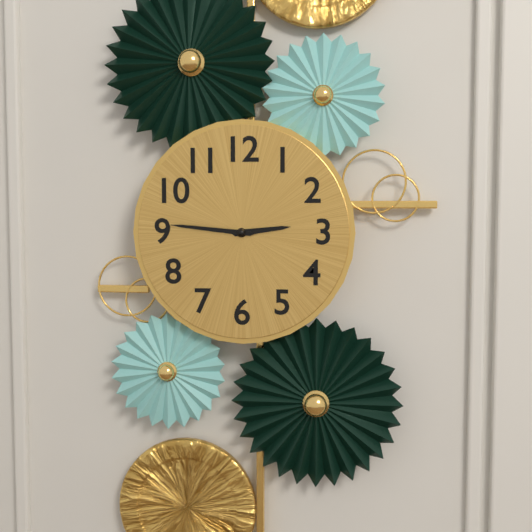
2:46
